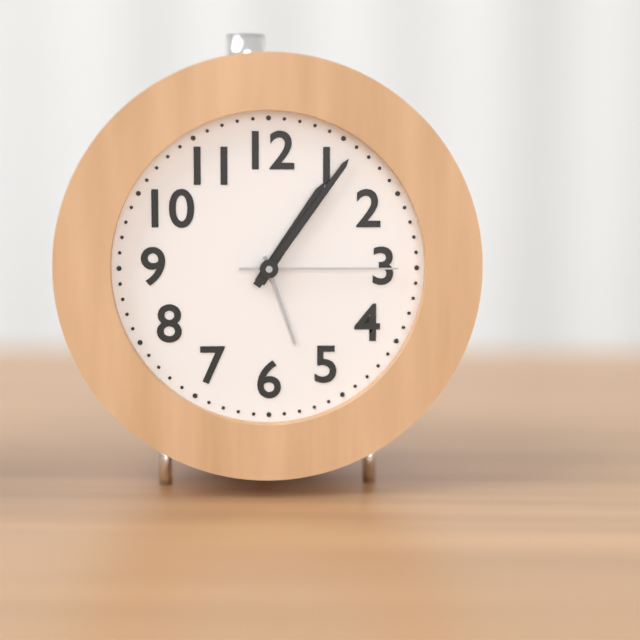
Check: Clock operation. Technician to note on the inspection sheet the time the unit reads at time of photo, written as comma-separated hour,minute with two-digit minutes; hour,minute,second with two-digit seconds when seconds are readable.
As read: 1,06,15
